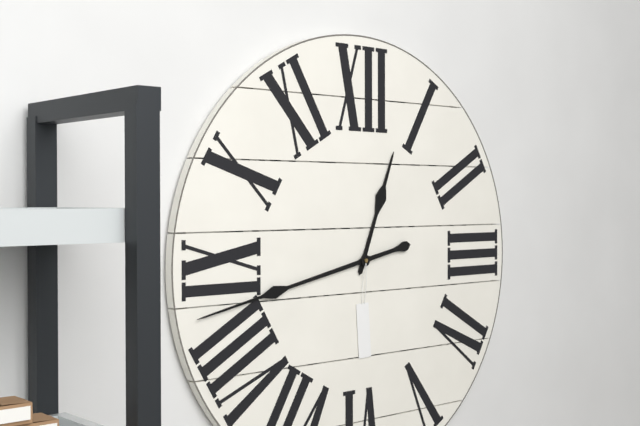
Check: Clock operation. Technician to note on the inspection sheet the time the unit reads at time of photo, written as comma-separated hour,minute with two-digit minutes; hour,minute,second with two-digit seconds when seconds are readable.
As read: 12,43
